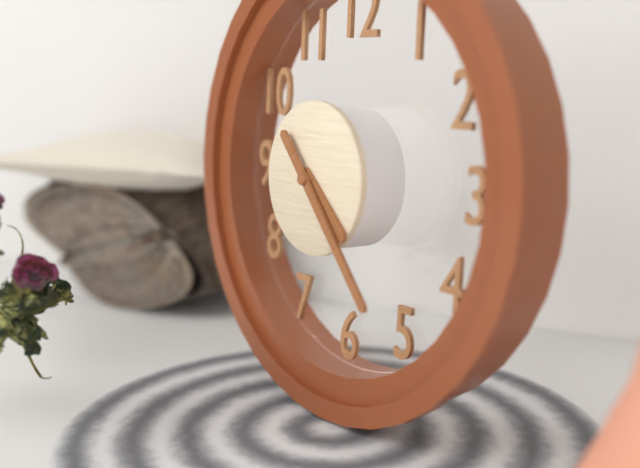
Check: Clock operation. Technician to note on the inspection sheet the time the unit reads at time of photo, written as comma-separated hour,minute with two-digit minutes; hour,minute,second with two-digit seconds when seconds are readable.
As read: 4,23
